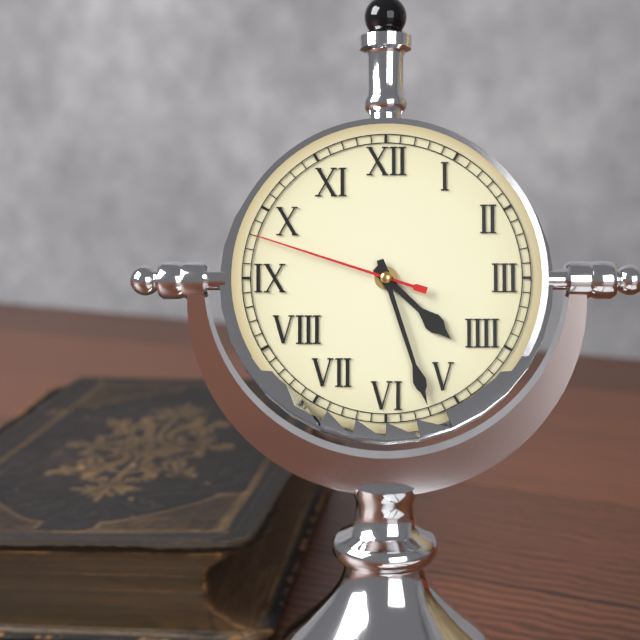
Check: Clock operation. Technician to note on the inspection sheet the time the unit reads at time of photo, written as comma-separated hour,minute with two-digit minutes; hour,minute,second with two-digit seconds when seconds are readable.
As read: 4,27,48
